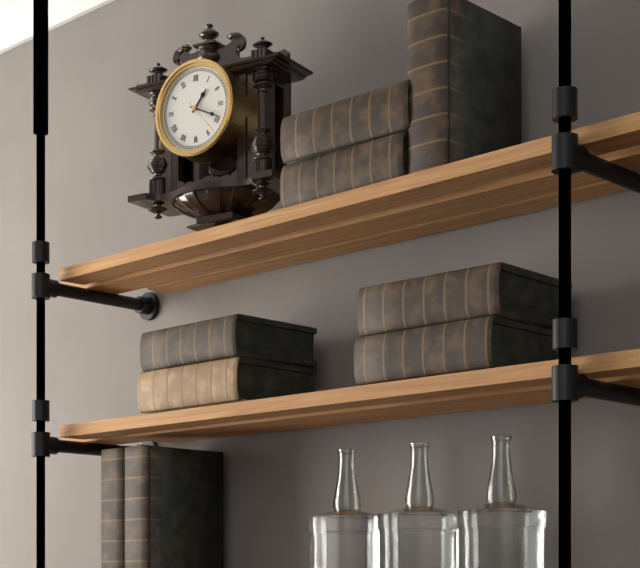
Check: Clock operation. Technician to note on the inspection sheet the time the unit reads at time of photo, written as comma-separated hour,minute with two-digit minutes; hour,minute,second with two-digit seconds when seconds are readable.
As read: 1,19
